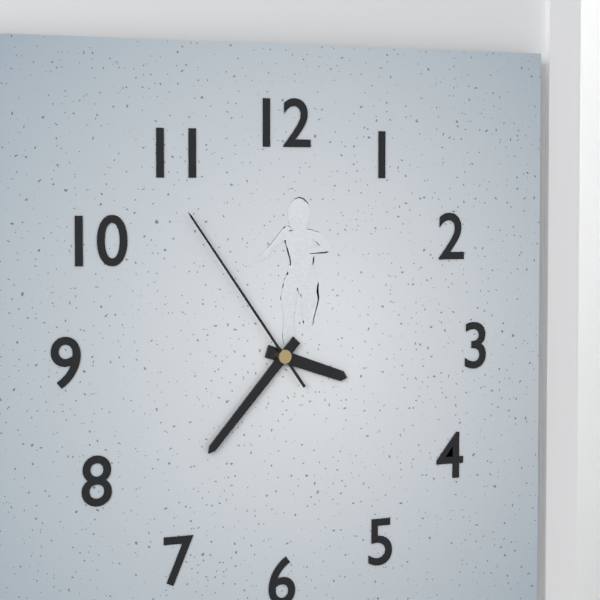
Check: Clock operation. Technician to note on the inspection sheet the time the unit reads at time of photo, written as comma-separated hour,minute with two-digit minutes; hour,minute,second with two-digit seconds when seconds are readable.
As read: 3,37,54
